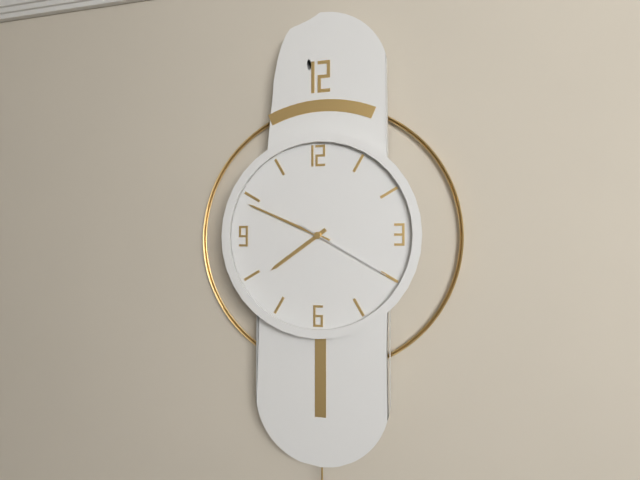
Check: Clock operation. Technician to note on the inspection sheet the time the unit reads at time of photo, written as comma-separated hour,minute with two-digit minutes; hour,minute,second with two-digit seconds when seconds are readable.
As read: 7,49,20
